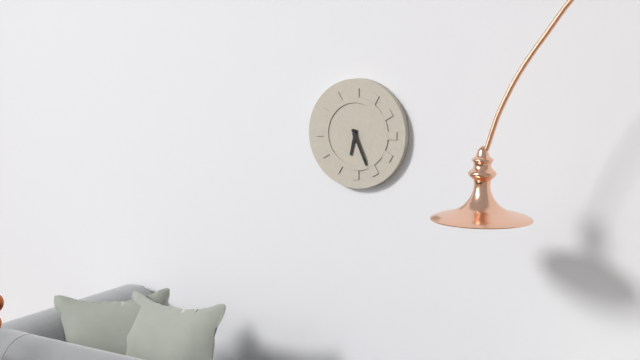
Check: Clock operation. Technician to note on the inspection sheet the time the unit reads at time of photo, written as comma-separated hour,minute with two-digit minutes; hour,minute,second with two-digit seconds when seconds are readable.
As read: 6,26
